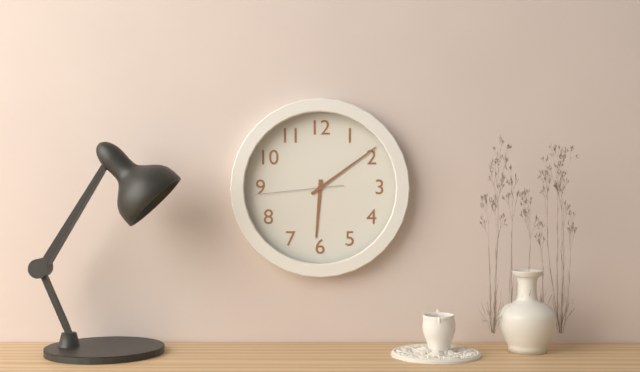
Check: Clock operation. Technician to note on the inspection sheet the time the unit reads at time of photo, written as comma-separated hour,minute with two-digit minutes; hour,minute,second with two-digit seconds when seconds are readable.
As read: 6,09,44
